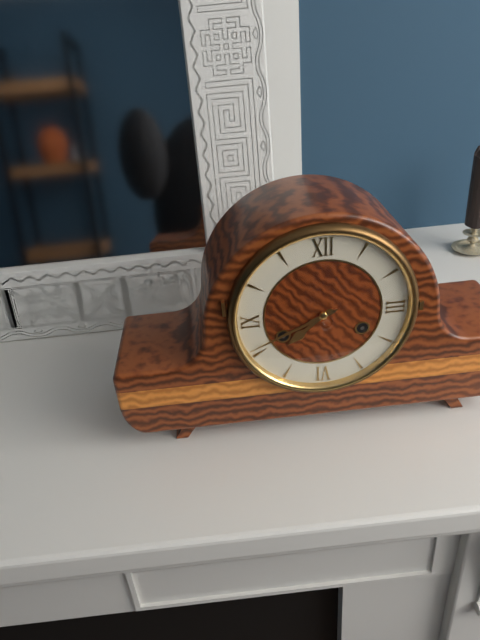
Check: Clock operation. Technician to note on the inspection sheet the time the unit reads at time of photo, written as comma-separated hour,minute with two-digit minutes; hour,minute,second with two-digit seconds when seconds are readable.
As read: 7,41
